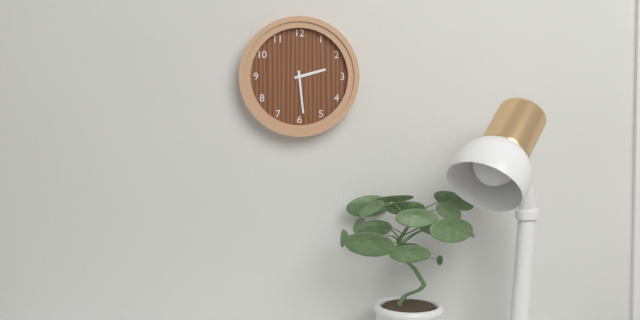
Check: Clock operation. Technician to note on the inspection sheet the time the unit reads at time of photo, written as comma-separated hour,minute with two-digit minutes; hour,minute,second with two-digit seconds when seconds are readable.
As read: 2,29
